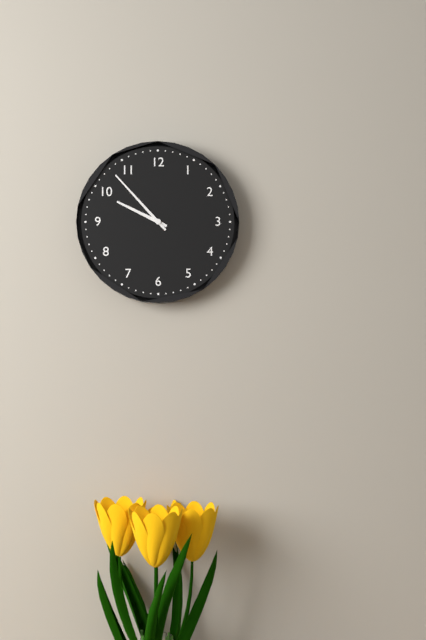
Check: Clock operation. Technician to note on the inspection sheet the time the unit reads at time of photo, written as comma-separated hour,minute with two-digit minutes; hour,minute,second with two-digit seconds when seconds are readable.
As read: 9,53
